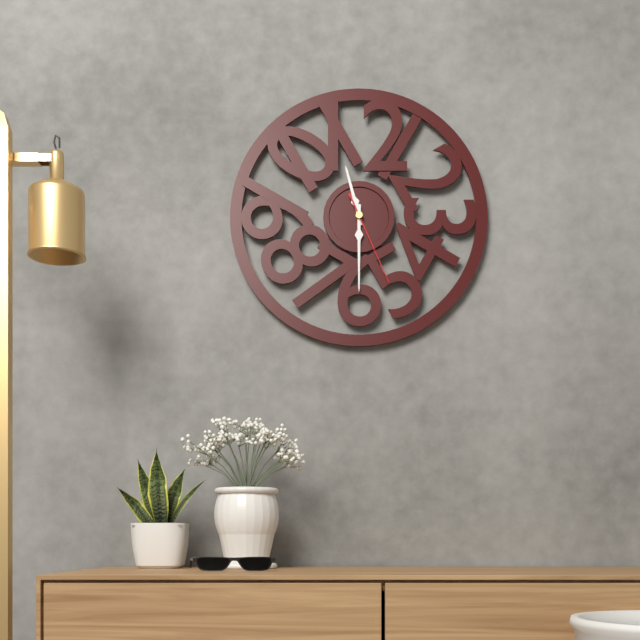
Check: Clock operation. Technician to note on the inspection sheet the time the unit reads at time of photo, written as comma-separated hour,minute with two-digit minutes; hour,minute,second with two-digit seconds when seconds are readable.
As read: 11,30,26
